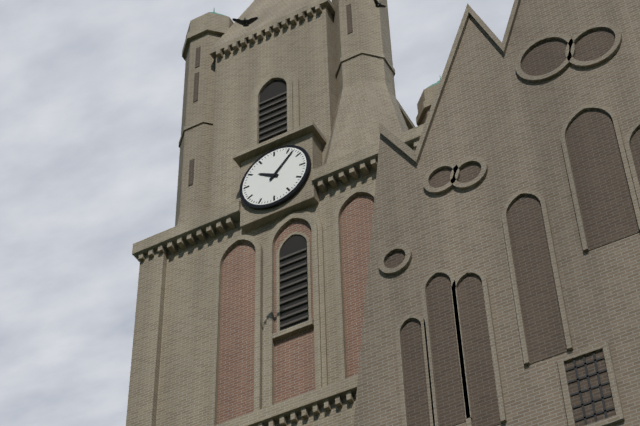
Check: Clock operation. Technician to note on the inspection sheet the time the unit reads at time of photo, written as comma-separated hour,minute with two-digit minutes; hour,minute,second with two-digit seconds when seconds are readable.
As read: 10,07
